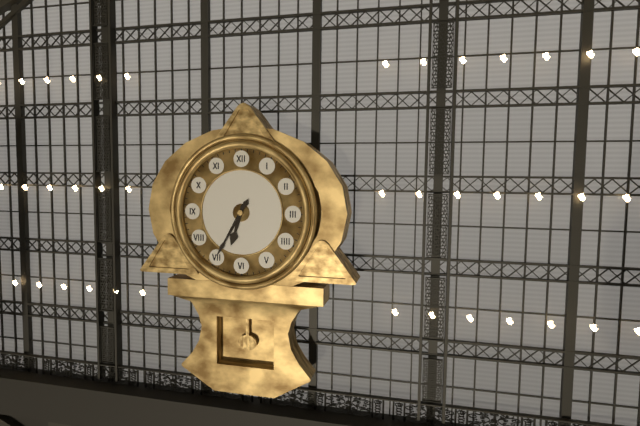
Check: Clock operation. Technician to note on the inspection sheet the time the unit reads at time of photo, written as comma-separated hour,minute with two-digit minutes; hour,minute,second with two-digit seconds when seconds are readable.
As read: 6,35
